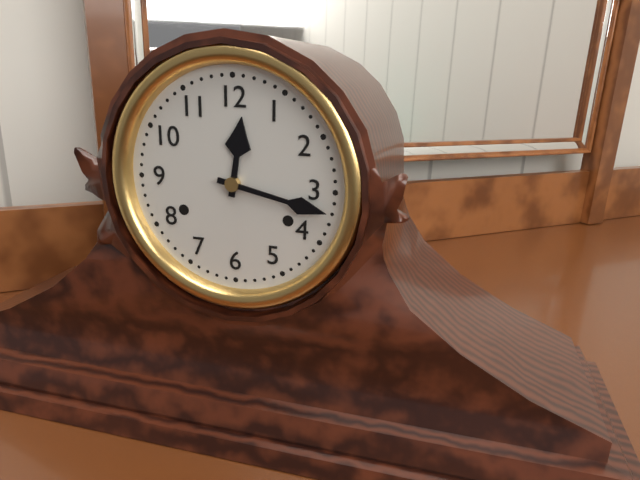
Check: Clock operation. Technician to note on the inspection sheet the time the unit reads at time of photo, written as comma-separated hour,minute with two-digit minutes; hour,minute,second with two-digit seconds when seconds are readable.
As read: 12,17
